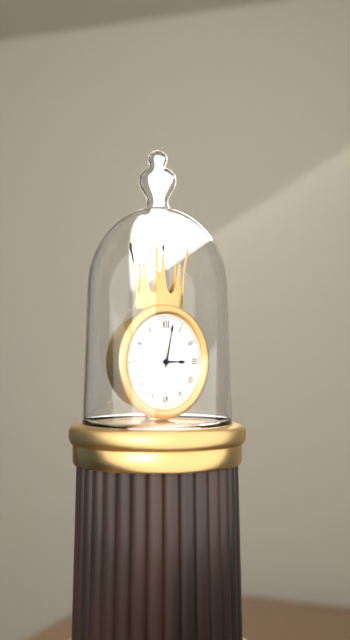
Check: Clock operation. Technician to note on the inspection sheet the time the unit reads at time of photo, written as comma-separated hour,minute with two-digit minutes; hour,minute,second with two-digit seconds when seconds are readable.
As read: 3,02
